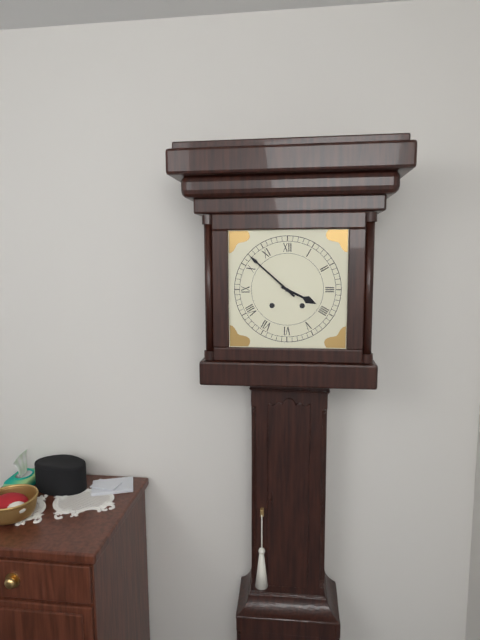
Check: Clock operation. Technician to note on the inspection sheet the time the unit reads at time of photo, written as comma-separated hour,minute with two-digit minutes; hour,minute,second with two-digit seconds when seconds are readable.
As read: 3,52
